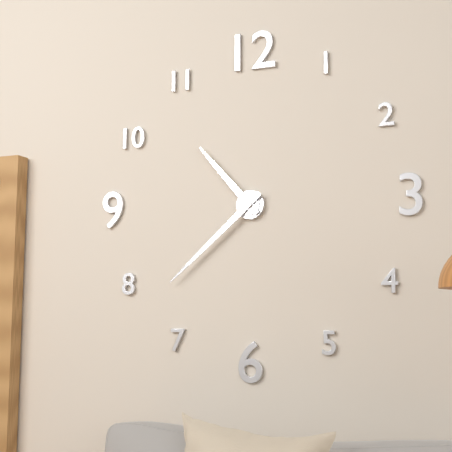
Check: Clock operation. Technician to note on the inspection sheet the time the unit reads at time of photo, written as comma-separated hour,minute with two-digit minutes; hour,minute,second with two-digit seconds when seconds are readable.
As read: 10,38
